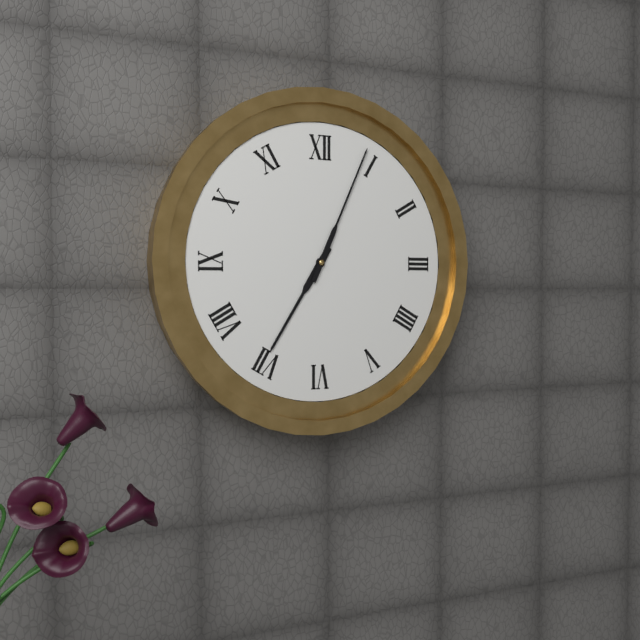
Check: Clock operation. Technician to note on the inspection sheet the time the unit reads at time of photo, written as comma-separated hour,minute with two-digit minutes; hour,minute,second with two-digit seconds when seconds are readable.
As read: 7,04
